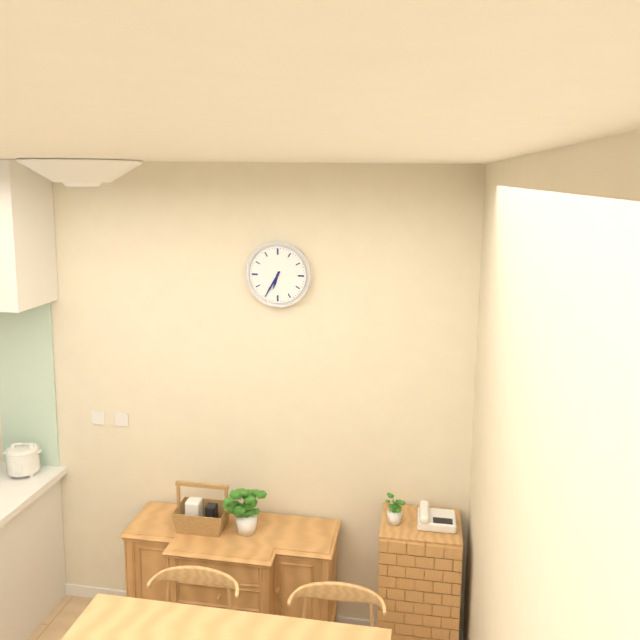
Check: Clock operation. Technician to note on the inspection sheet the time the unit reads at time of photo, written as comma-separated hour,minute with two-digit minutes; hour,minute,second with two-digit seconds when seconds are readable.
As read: 6,35
